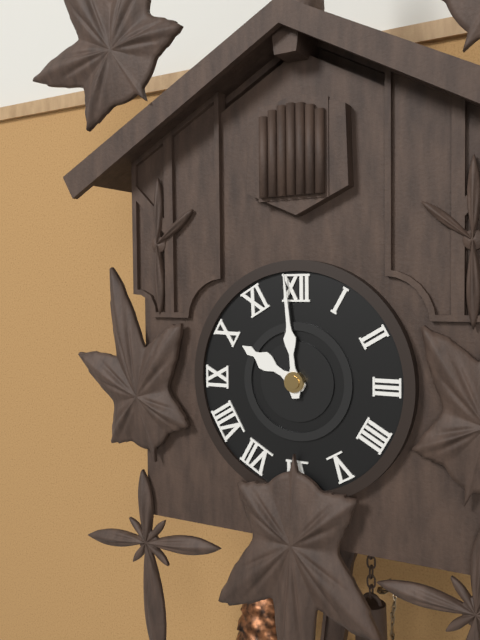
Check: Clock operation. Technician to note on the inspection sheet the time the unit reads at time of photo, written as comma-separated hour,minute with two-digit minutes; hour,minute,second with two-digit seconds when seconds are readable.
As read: 9,59
